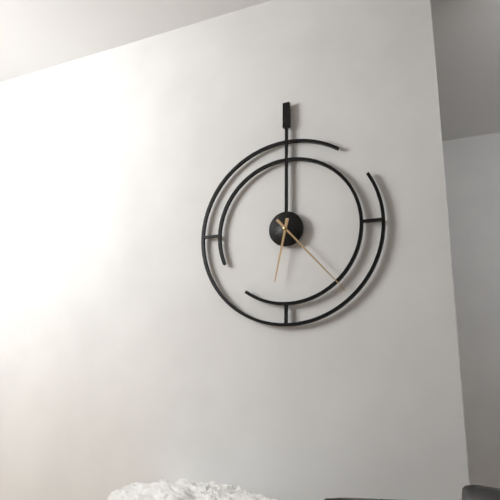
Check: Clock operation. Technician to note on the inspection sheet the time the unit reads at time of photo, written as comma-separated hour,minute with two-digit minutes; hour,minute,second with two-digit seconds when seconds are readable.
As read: 6,23
